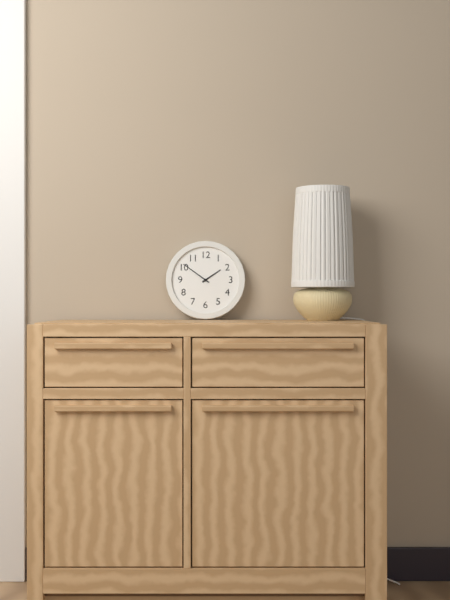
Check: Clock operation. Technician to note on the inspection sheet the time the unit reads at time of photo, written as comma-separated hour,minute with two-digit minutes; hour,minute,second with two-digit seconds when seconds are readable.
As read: 1,51
